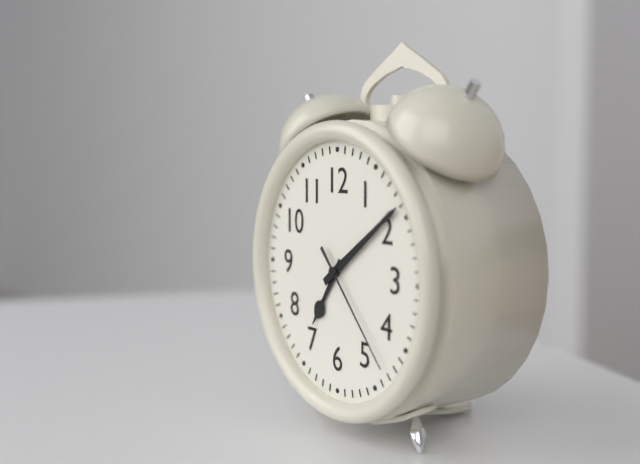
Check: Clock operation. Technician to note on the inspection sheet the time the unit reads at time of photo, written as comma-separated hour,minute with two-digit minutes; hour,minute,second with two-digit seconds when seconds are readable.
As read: 7,09,23
